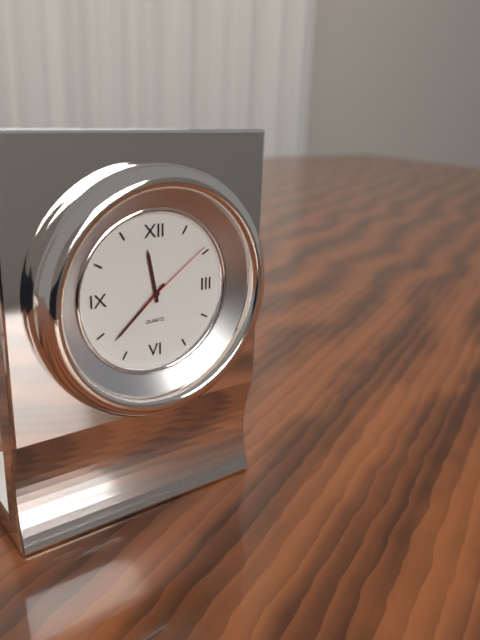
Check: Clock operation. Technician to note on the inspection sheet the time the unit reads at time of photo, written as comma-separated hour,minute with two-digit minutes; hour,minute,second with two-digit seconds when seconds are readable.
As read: 11,38,09
